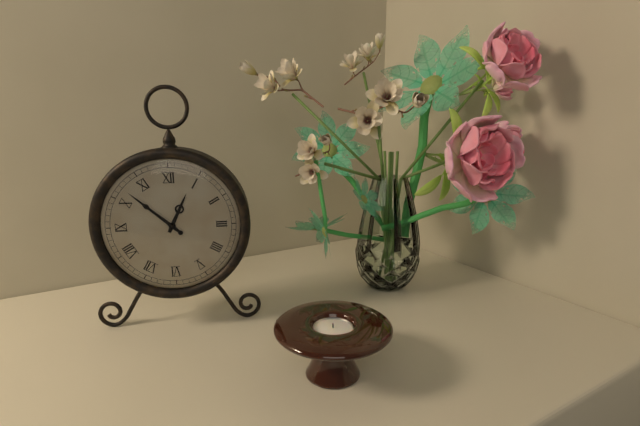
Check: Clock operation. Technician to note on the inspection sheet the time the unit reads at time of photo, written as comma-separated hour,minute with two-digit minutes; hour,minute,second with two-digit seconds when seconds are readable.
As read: 12,52
